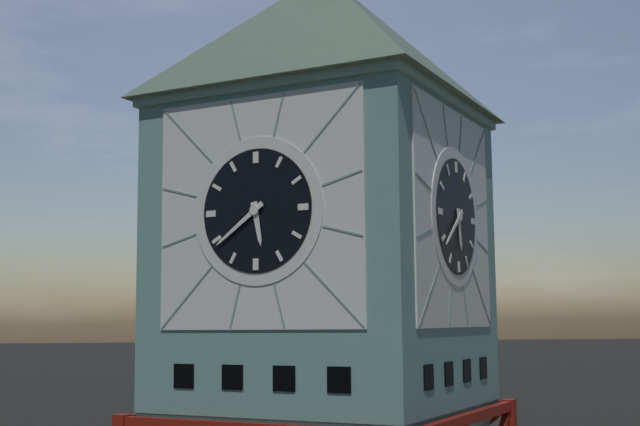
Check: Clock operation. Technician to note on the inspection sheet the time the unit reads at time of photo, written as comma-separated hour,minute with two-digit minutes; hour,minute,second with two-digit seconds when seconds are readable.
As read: 5,39
